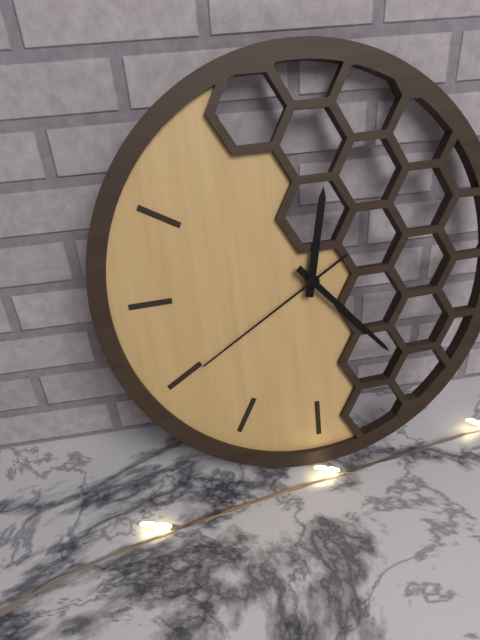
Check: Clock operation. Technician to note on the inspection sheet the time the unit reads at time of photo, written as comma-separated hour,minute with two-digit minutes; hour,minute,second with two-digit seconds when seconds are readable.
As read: 12,23,40
